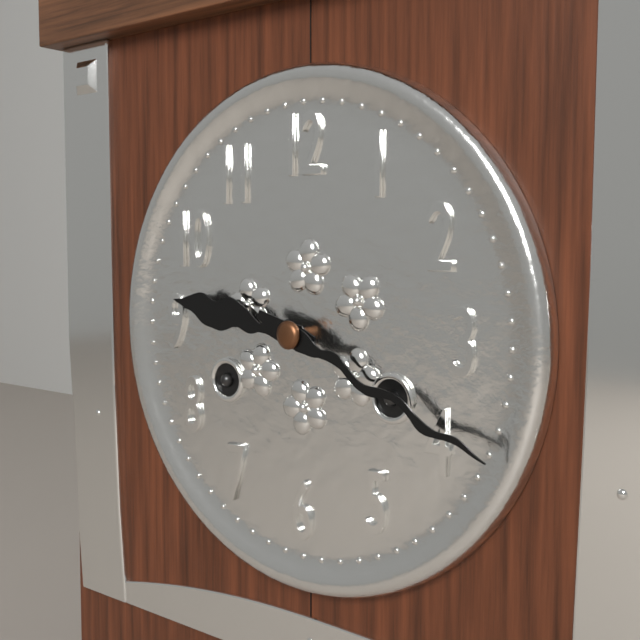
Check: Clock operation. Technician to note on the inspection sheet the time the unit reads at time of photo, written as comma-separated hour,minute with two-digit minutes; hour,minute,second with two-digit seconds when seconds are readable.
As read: 9,19
